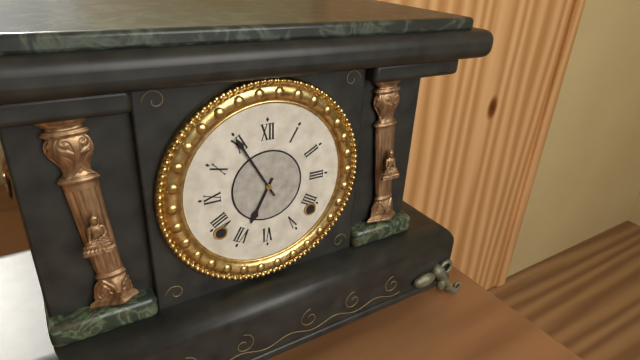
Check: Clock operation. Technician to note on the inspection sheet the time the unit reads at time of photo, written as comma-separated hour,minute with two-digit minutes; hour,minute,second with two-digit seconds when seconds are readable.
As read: 6,55
